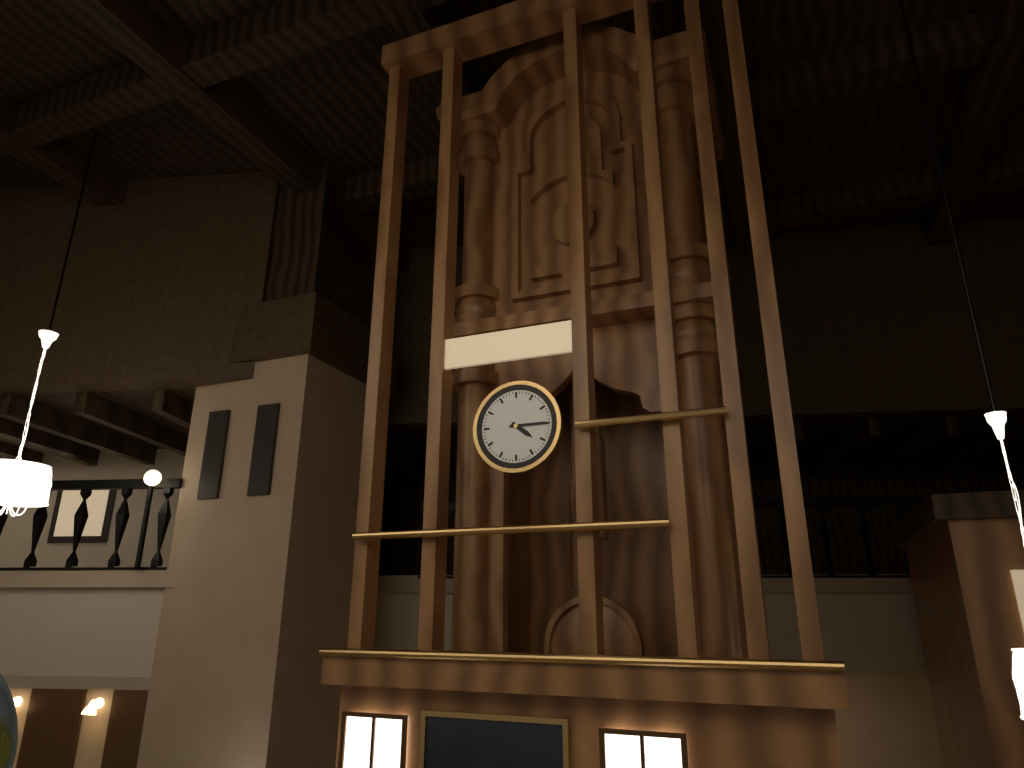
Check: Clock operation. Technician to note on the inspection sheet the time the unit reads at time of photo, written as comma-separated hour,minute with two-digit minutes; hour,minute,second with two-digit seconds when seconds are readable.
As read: 4,15
